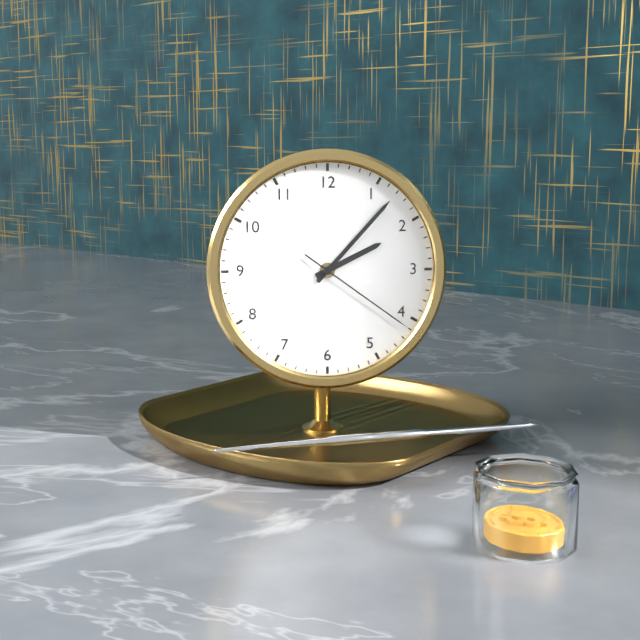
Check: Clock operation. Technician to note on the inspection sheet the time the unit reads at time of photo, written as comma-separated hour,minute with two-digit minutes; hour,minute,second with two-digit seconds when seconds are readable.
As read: 2,07,21
